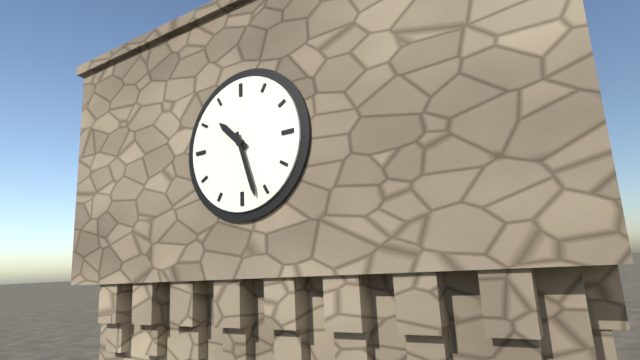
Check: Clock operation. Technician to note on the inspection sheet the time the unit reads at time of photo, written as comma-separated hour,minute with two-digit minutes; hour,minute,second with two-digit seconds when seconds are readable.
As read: 10,27
